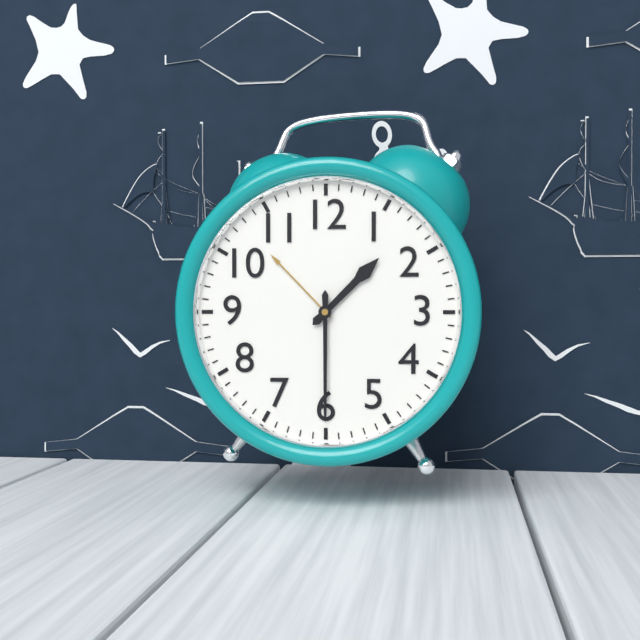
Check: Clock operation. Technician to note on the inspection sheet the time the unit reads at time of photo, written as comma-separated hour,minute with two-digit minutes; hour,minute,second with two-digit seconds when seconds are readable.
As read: 1,30
